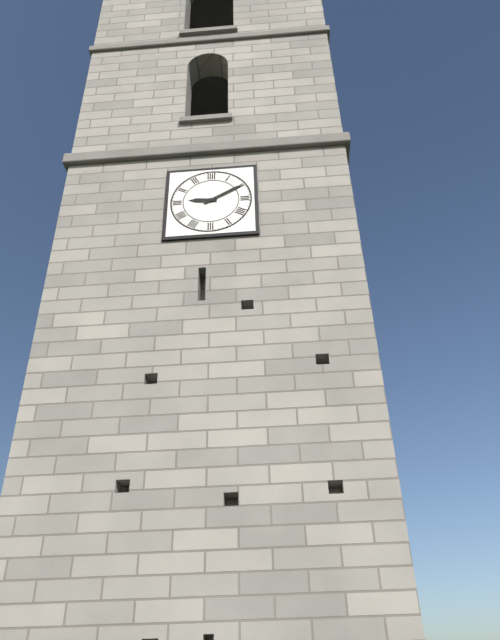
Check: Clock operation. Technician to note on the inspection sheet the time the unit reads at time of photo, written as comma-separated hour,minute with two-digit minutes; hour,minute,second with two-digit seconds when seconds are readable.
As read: 9,10
